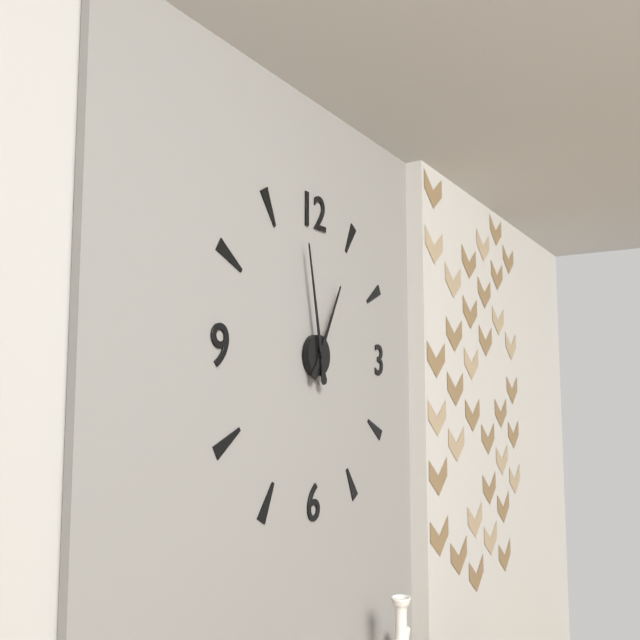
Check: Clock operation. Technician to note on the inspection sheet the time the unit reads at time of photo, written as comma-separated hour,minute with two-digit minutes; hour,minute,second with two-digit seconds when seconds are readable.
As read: 12,58
